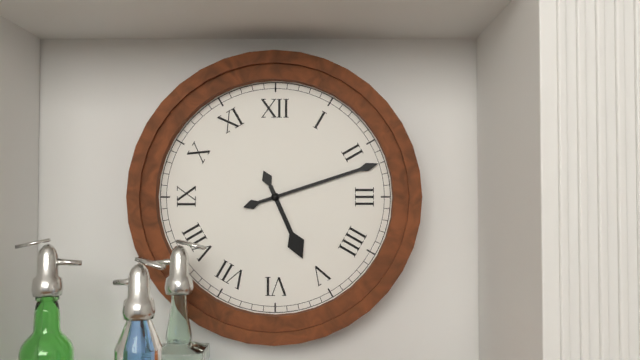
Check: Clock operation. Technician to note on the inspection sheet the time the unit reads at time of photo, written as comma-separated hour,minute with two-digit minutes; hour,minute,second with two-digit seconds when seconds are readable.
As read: 5,12
